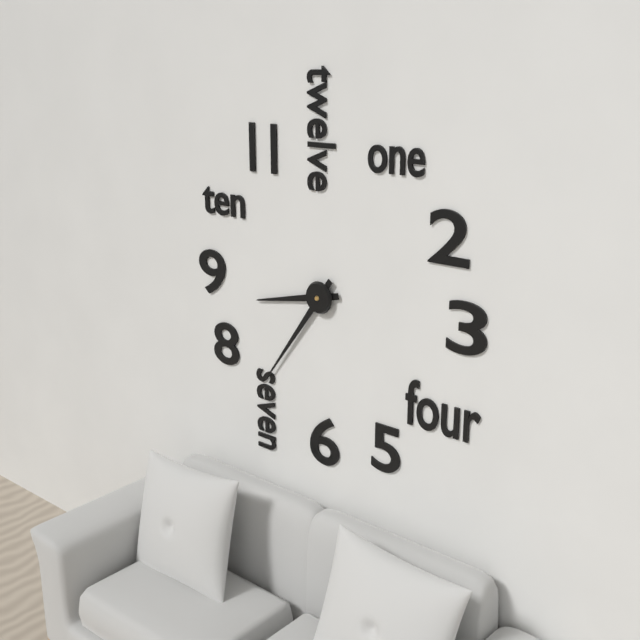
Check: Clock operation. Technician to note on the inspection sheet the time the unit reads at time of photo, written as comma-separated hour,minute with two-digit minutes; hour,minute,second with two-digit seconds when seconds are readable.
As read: 8,36
